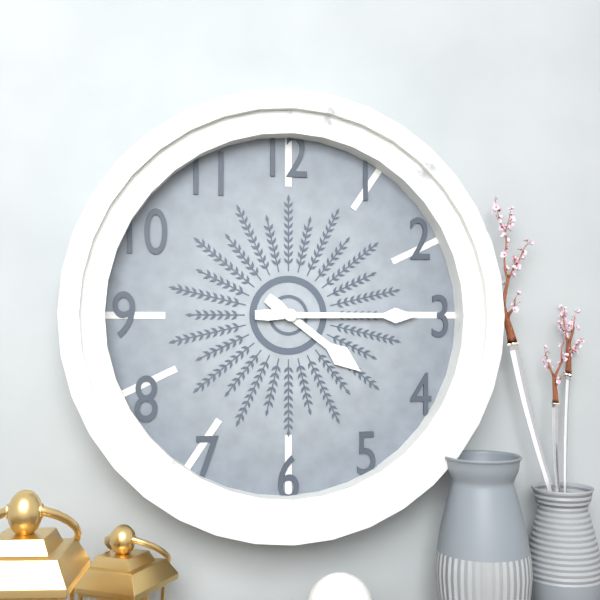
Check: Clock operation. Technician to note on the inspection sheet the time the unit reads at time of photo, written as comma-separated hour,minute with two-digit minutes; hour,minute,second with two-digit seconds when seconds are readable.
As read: 4,15
